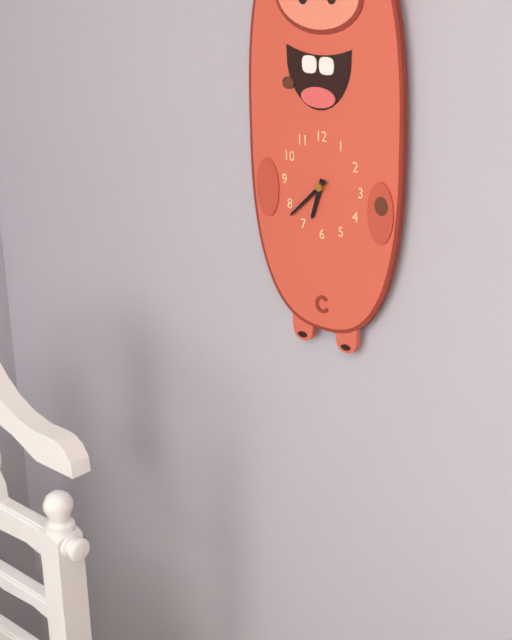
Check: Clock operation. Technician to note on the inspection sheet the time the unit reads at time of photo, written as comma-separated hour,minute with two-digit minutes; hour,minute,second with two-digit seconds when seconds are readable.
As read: 6,38
